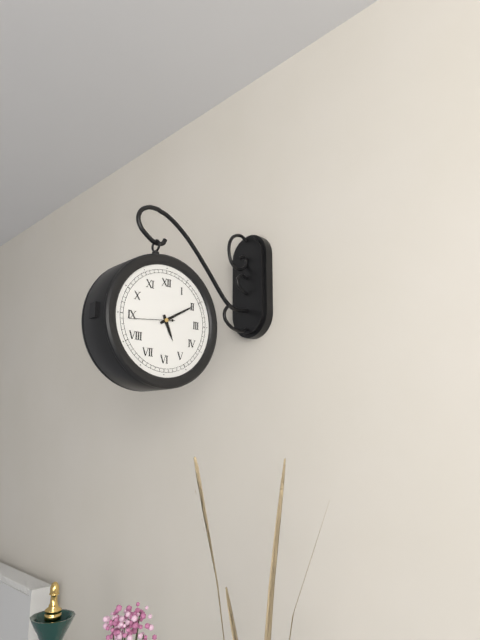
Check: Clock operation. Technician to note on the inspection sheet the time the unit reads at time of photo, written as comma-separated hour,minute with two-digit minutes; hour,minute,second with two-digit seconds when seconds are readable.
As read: 5,10
